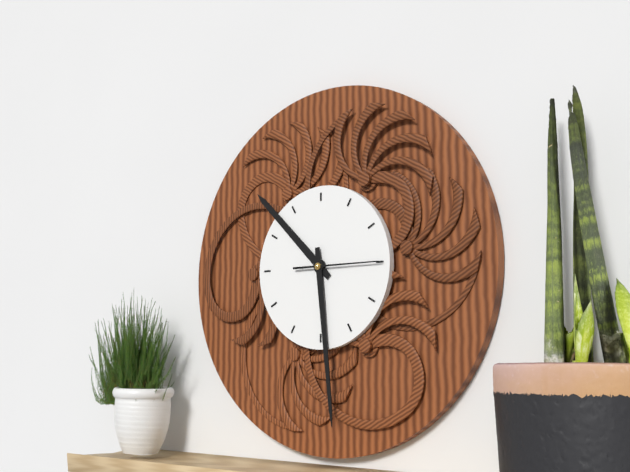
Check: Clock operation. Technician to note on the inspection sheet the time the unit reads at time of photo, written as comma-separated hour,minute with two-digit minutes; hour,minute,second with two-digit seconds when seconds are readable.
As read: 10,29,15
